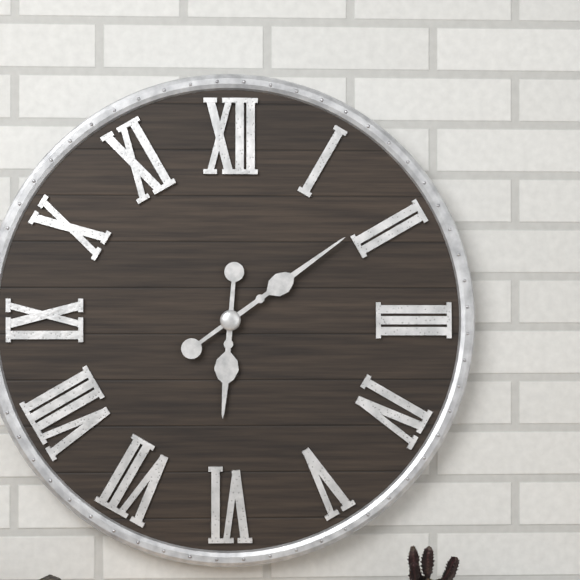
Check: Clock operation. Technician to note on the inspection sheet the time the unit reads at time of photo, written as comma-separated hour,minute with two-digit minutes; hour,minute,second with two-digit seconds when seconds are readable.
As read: 6,09
